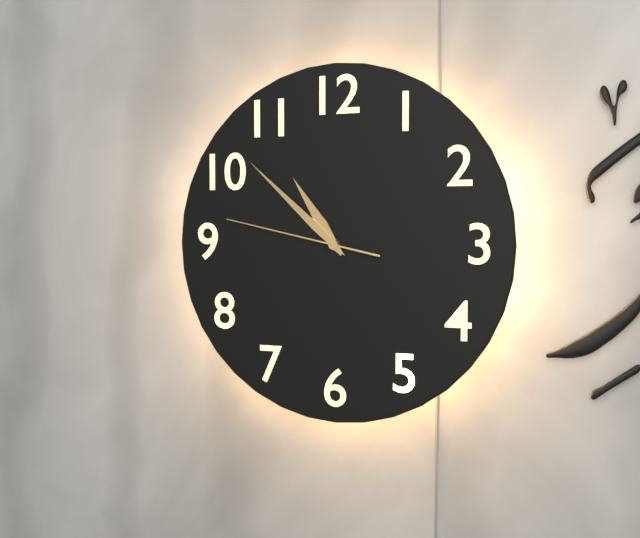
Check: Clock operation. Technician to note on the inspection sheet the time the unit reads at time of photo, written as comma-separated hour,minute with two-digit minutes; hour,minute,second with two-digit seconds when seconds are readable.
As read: 10,52,47
